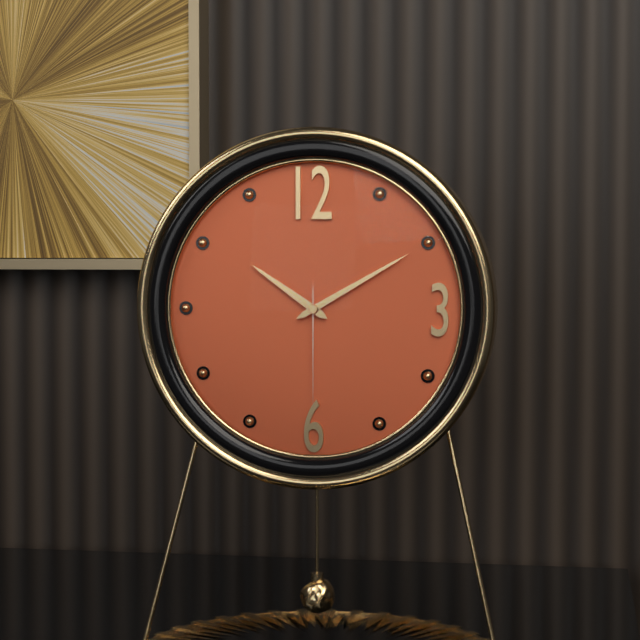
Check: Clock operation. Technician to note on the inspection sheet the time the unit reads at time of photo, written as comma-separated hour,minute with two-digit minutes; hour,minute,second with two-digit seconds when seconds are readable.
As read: 10,10,30
